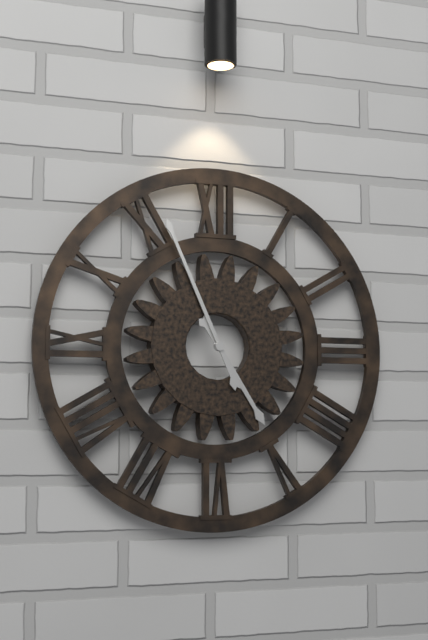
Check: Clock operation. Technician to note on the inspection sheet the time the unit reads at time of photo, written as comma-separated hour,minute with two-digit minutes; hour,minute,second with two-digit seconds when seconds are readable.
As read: 4,56
